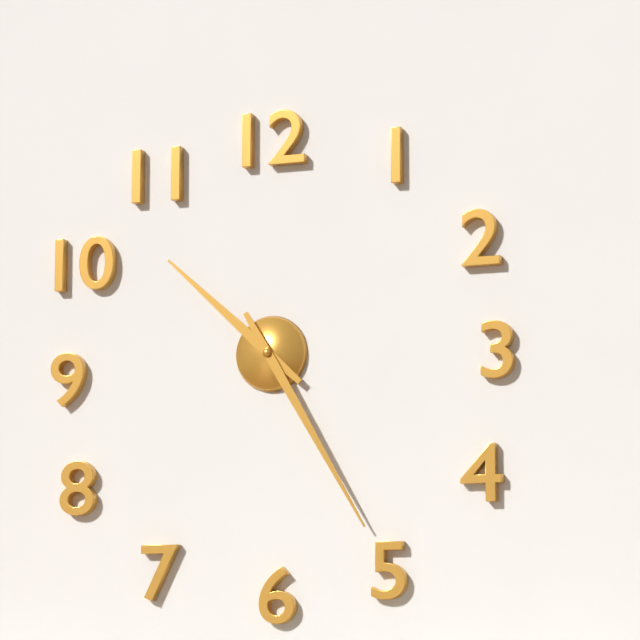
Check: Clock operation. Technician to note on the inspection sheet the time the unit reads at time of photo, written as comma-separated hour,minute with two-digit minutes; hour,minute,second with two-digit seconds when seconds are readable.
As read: 10,25
